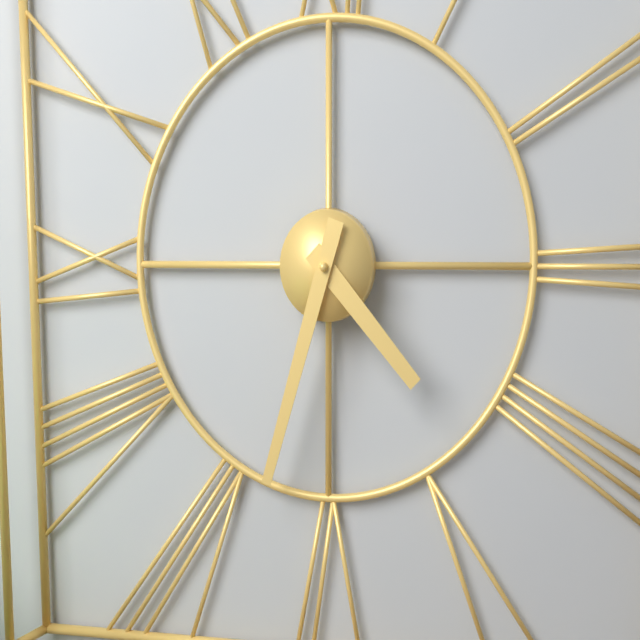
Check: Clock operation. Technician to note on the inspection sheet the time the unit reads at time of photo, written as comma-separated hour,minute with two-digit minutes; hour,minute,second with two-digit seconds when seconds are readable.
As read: 4,33
